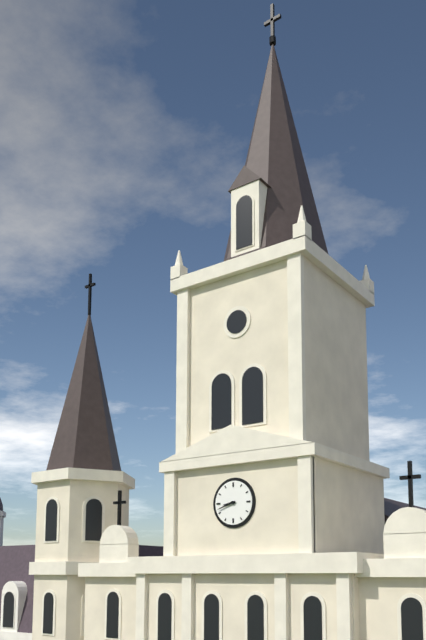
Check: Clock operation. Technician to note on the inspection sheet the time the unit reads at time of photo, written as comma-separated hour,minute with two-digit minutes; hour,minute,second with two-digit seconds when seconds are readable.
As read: 8,42
